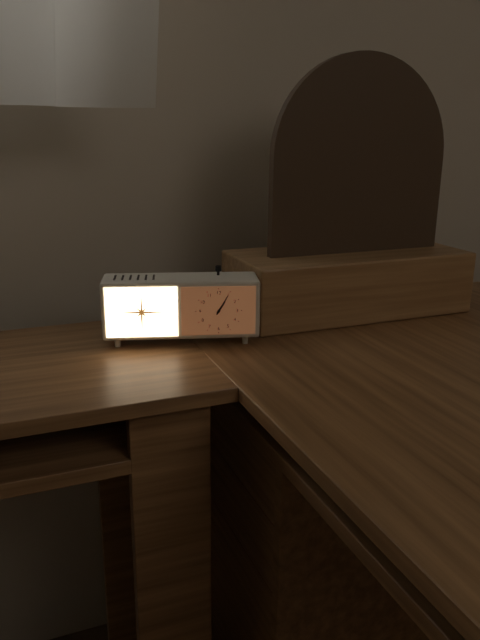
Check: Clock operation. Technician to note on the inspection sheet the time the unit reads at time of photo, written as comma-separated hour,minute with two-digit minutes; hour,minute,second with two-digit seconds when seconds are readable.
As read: 1,05
